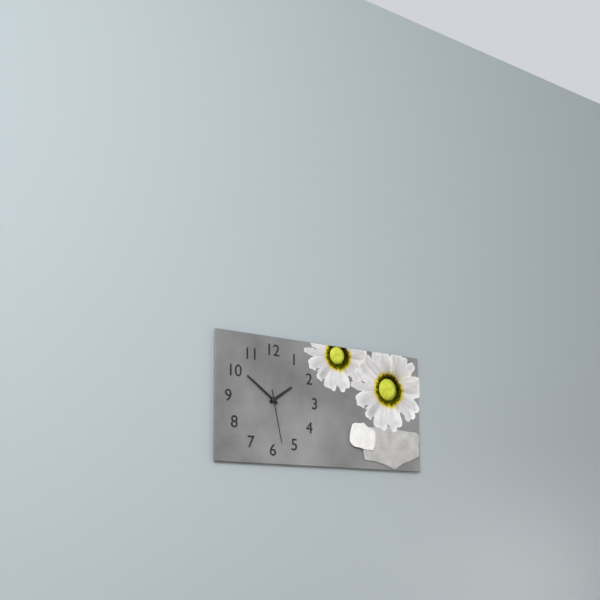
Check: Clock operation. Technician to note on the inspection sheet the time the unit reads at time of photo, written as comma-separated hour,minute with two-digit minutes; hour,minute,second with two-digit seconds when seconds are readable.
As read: 1,51,28
